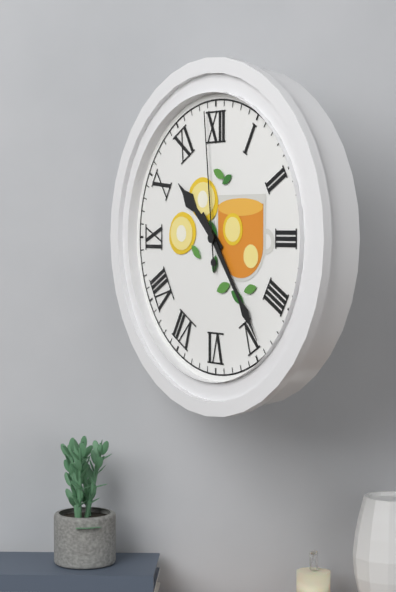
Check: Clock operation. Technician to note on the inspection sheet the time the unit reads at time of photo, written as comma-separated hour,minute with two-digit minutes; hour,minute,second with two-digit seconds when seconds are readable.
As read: 10,24,59
